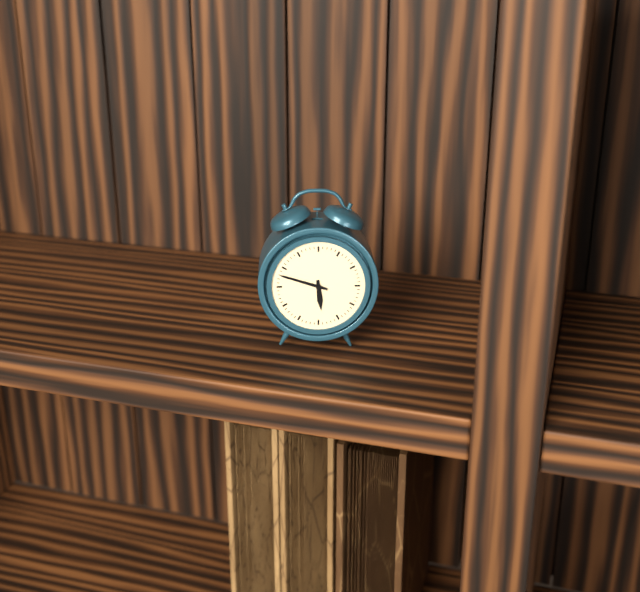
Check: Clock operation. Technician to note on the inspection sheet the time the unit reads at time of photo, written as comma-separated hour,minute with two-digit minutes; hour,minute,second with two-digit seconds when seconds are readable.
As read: 5,48
